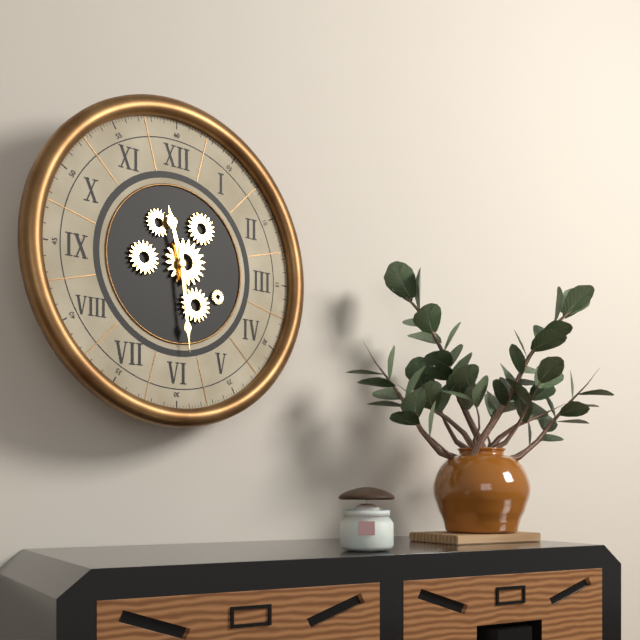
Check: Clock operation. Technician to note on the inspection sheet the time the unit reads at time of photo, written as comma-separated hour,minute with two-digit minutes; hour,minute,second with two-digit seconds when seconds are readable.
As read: 11,29
